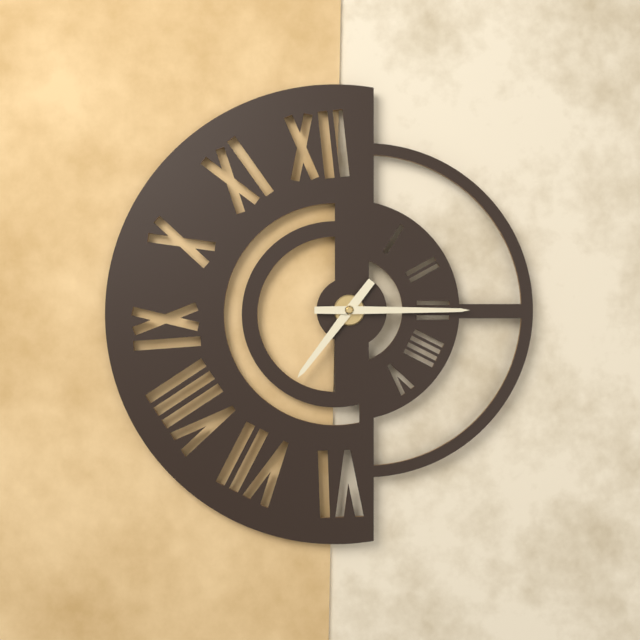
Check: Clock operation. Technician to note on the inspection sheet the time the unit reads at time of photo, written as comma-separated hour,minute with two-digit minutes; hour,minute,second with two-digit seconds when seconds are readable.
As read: 7,15
